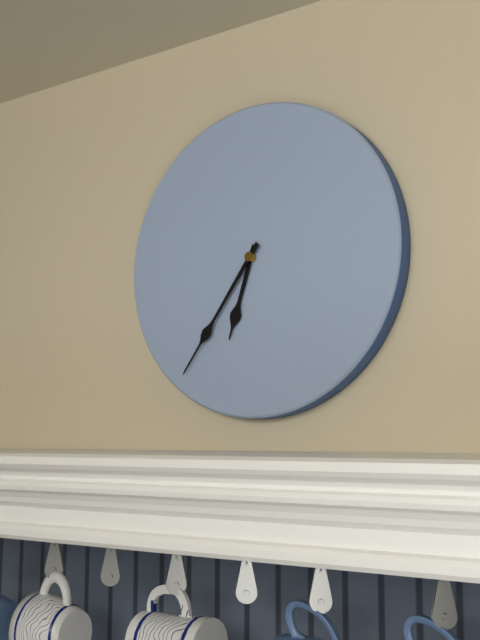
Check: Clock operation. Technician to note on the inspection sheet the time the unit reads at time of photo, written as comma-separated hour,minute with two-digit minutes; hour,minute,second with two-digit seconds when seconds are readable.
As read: 6,36
